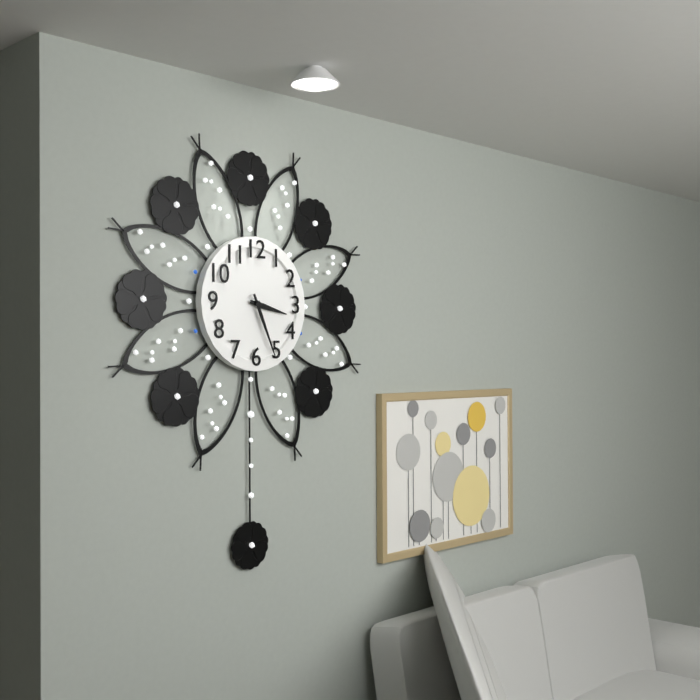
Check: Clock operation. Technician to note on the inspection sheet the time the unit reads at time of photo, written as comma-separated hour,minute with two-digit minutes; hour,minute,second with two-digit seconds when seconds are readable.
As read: 3,26
